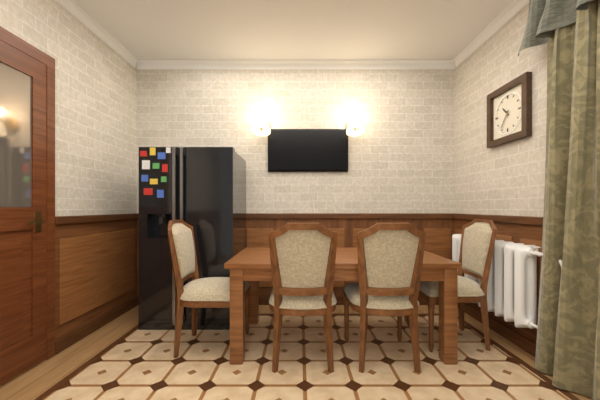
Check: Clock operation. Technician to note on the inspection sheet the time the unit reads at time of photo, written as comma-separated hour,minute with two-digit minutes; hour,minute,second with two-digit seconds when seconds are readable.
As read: 10,36
